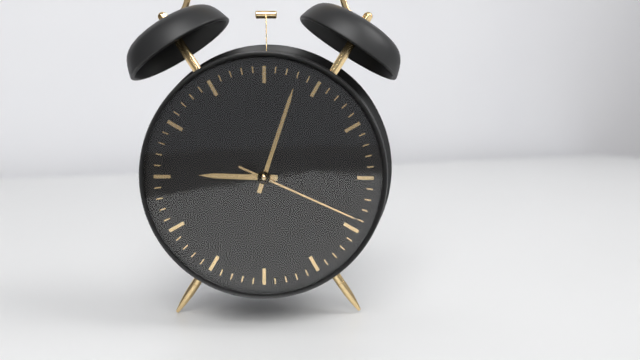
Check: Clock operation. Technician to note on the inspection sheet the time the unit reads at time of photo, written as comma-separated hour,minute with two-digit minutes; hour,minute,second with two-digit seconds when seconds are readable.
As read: 9,03,19
